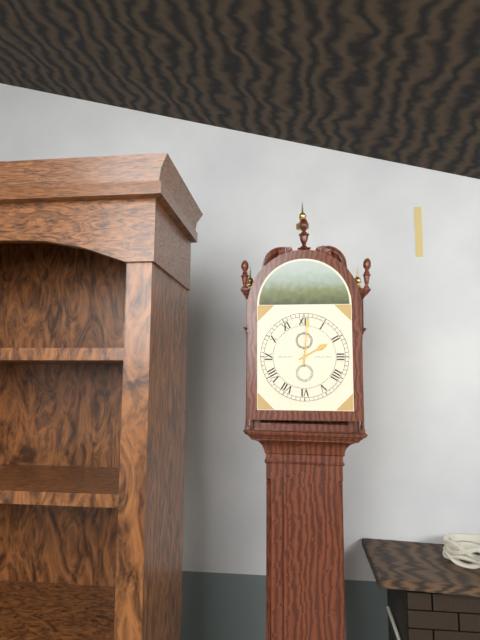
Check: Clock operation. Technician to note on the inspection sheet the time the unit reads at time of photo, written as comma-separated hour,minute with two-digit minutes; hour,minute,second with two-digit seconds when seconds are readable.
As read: 2,01
